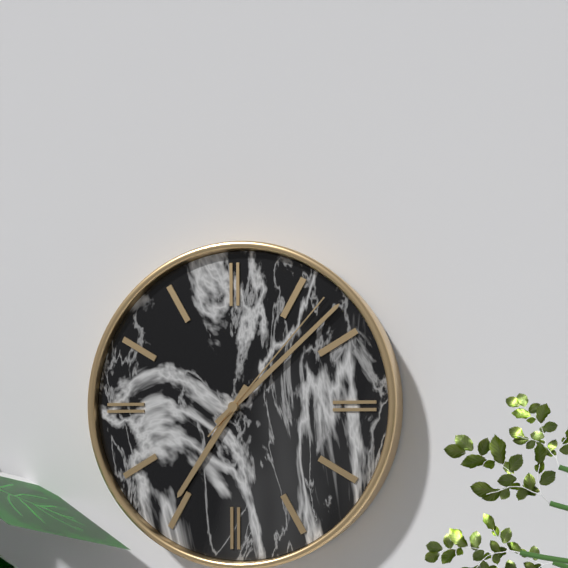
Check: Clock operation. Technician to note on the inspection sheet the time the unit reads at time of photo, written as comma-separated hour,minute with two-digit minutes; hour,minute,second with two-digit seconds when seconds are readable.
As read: 7,08,07
